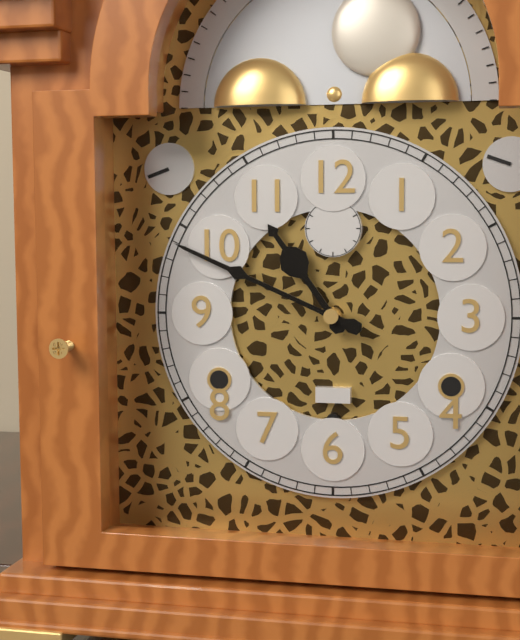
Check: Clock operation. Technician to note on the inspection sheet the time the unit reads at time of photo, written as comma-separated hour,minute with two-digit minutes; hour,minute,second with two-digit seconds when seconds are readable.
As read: 10,49
